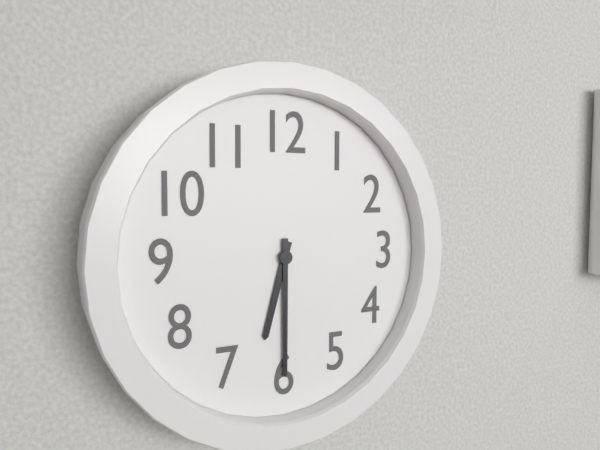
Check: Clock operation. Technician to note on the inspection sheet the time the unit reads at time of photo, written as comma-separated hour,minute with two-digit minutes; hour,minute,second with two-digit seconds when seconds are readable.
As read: 6,30
